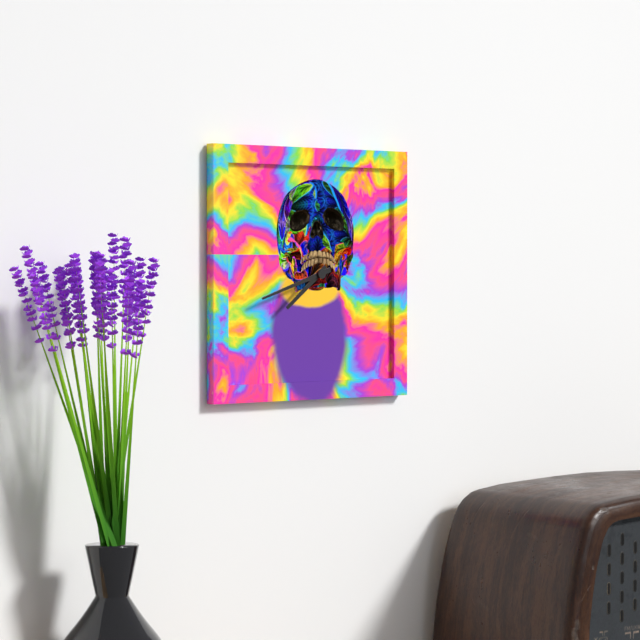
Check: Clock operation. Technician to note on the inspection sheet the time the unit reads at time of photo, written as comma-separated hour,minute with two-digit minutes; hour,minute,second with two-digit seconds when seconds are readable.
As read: 7,42
